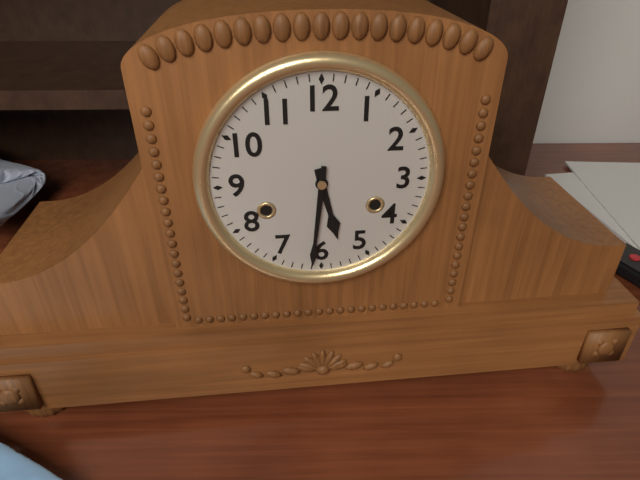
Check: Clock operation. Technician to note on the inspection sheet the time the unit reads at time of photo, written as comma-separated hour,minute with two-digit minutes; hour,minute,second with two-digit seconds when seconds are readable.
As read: 5,31
